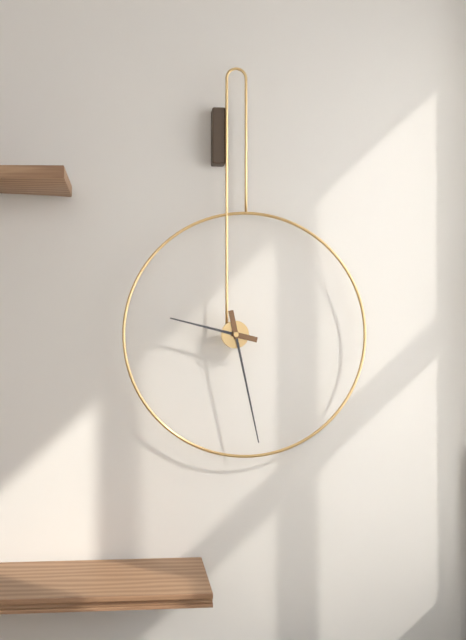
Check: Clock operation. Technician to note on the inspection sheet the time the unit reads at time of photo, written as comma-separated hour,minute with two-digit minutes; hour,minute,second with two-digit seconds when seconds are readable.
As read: 9,28
